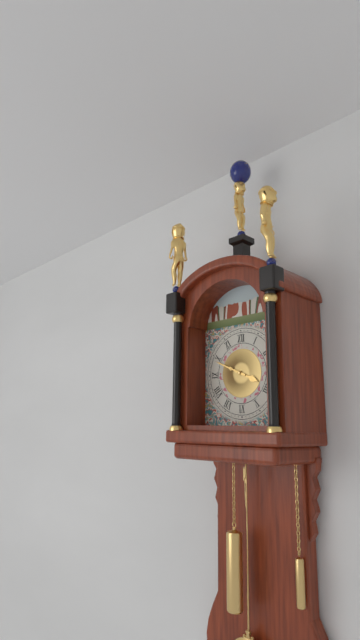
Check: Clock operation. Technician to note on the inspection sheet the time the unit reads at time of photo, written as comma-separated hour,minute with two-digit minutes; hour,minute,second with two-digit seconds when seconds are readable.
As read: 3,49
